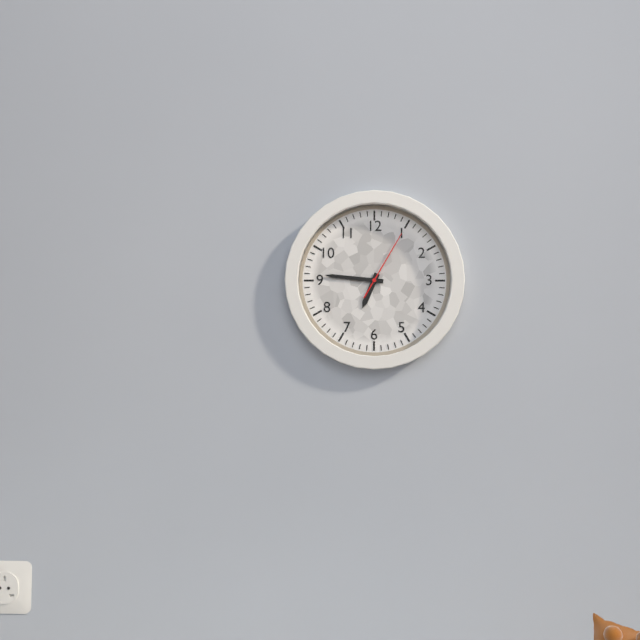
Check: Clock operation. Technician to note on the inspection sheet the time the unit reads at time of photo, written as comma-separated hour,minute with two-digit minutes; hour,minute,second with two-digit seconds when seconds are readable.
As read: 6,46,05
